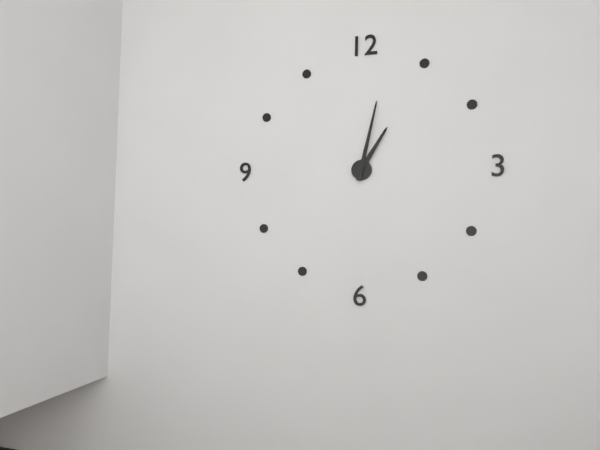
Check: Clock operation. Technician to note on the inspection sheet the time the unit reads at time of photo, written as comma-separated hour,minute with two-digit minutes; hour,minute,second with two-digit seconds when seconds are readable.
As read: 1,02
